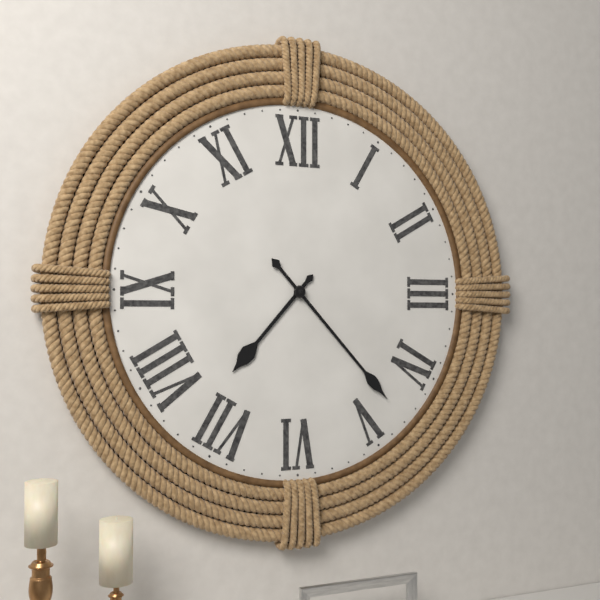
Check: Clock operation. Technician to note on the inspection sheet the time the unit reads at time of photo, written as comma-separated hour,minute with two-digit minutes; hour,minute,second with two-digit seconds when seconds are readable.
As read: 7,23
